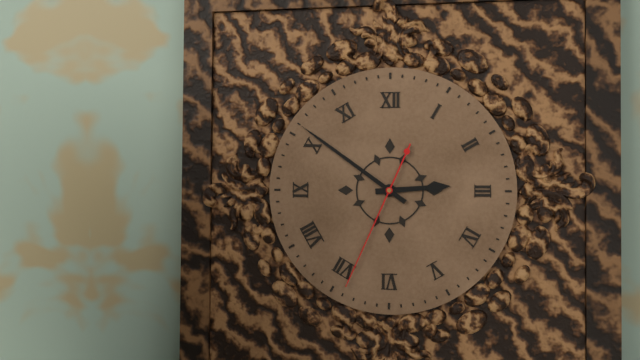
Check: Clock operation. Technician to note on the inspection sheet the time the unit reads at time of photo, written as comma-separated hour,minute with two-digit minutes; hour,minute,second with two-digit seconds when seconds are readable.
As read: 2,51,34
